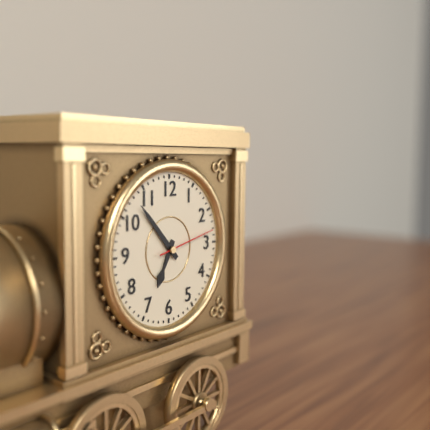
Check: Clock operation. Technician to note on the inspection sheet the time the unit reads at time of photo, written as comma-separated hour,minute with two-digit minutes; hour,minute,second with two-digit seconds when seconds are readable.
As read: 6,53,13
